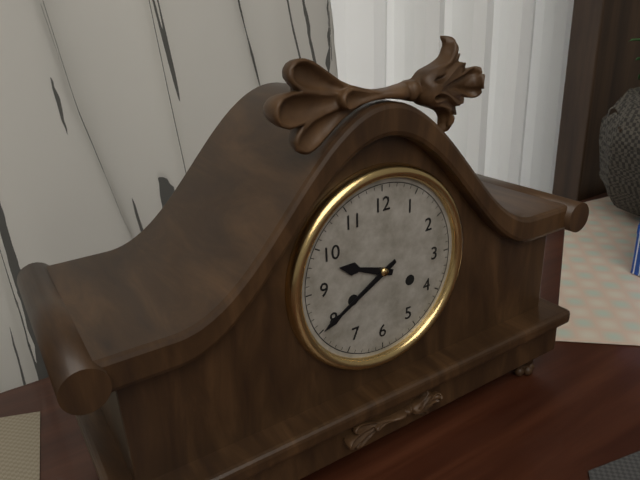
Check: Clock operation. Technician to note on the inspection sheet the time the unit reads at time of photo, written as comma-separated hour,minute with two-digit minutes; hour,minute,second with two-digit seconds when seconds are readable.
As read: 9,40
